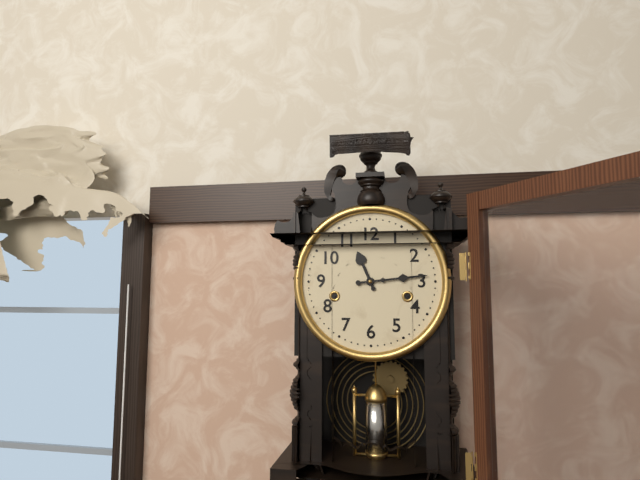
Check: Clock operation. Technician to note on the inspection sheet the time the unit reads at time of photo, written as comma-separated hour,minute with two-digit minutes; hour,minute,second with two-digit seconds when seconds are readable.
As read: 11,14
